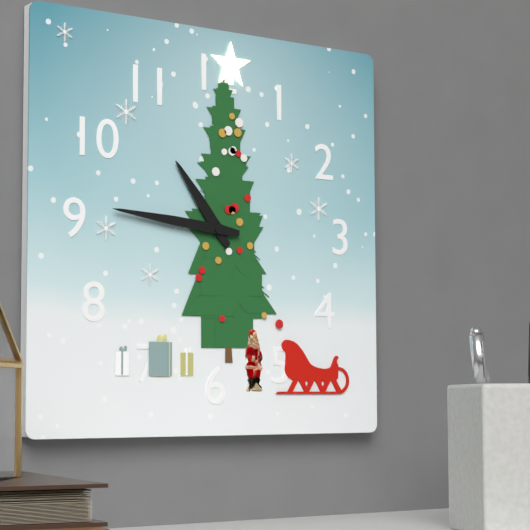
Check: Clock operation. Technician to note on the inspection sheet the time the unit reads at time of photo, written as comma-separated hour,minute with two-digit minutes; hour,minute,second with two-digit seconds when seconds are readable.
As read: 10,46
